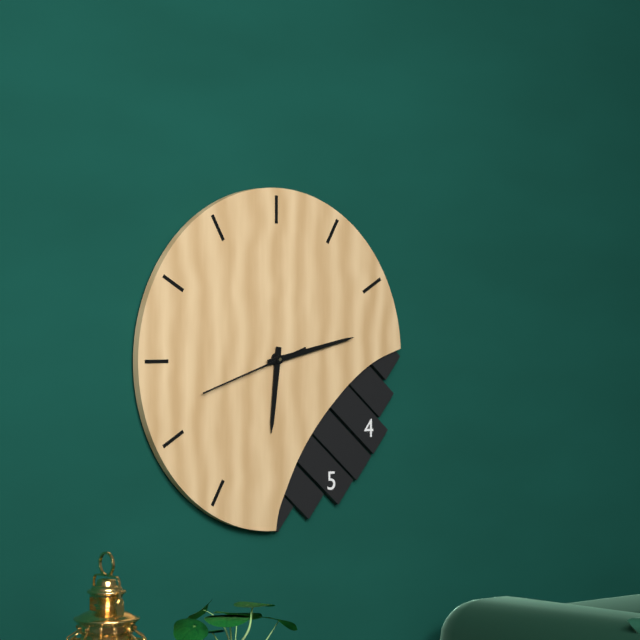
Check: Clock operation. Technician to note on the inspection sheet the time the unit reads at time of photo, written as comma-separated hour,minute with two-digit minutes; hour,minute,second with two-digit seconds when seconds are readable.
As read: 6,13,42
